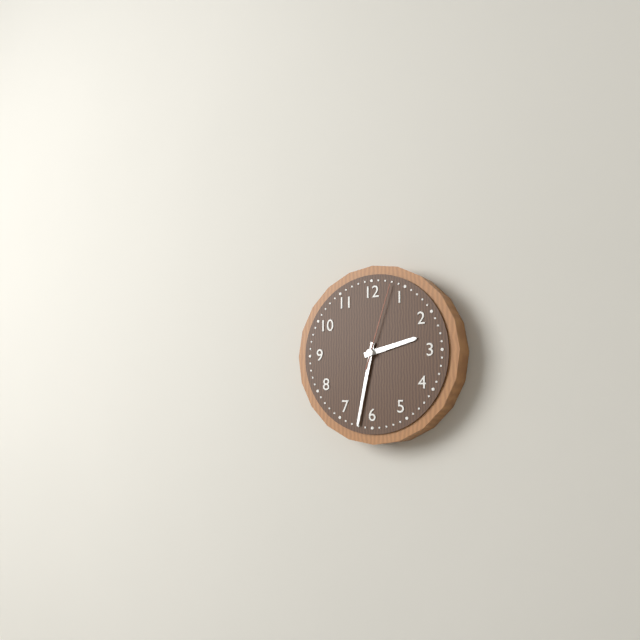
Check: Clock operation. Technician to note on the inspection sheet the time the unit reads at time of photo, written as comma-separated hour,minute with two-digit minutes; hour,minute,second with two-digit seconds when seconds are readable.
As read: 2,32,03
